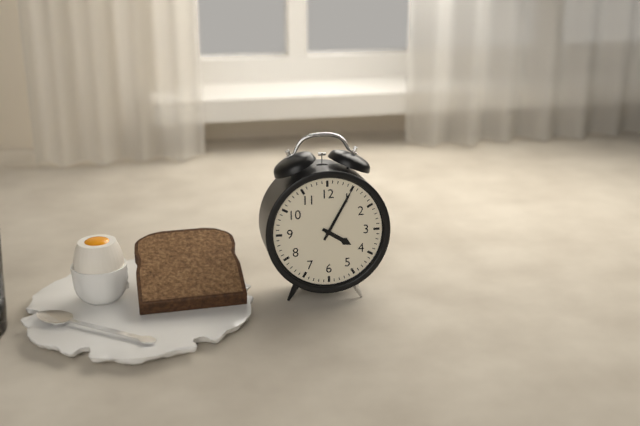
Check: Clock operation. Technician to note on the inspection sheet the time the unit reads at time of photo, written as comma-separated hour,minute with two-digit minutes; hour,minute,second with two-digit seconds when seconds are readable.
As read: 4,05
